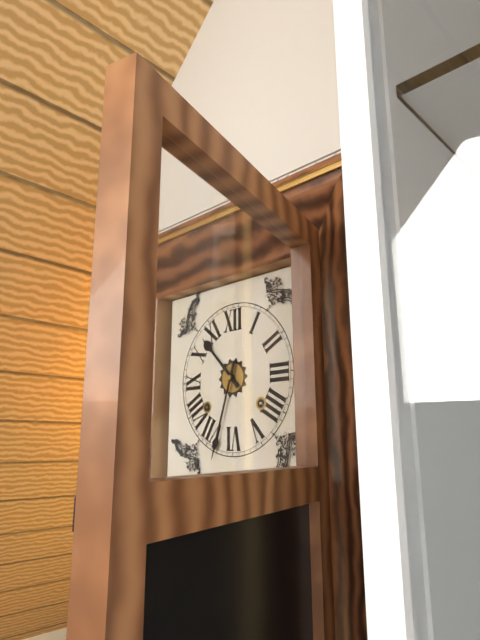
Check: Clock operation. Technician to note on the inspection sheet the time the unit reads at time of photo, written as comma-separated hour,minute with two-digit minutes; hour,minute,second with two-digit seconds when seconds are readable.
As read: 10,33
